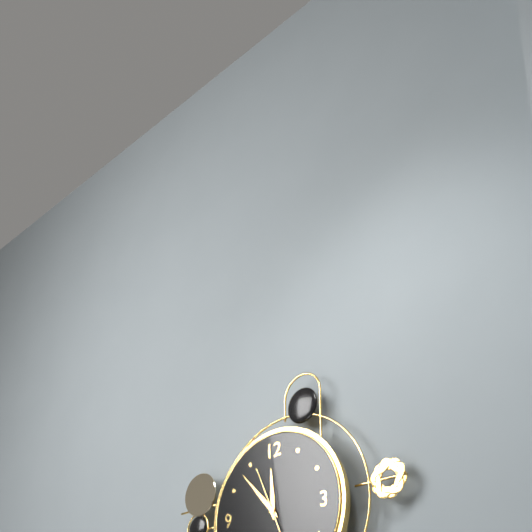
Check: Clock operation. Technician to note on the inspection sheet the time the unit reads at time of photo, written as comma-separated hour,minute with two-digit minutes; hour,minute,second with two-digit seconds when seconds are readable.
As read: 11,53,56
